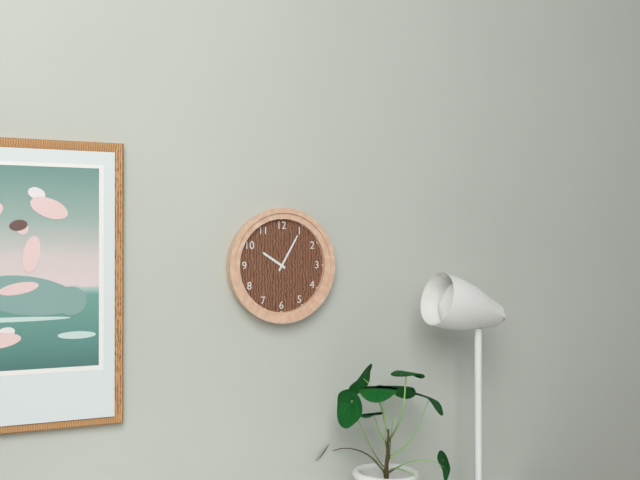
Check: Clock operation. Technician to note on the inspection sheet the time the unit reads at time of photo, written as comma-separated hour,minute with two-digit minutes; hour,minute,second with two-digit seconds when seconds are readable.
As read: 10,05
